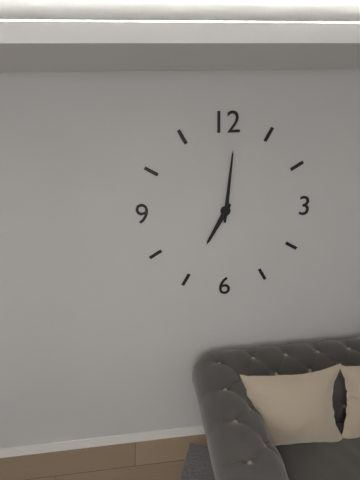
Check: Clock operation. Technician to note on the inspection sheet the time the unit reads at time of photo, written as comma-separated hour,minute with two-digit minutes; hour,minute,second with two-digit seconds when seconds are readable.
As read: 7,01
